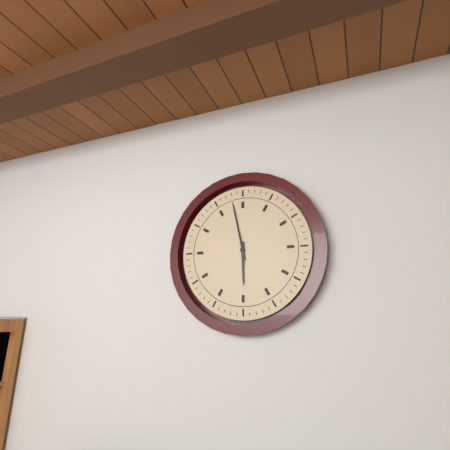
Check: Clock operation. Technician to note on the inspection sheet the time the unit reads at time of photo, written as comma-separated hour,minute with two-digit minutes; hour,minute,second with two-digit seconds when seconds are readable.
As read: 5,58
